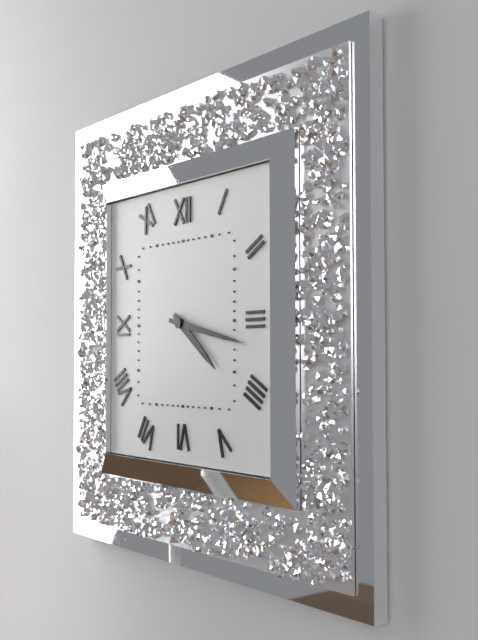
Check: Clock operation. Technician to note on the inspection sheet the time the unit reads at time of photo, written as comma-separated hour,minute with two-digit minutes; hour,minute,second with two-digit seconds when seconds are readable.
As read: 4,17
